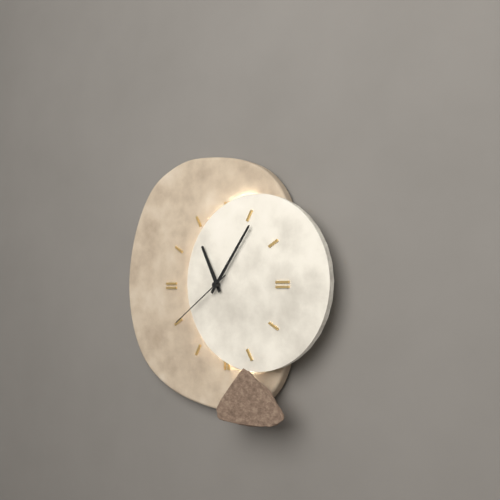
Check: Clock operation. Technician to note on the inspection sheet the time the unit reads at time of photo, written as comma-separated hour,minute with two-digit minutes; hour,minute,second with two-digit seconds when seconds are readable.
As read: 11,06,39
